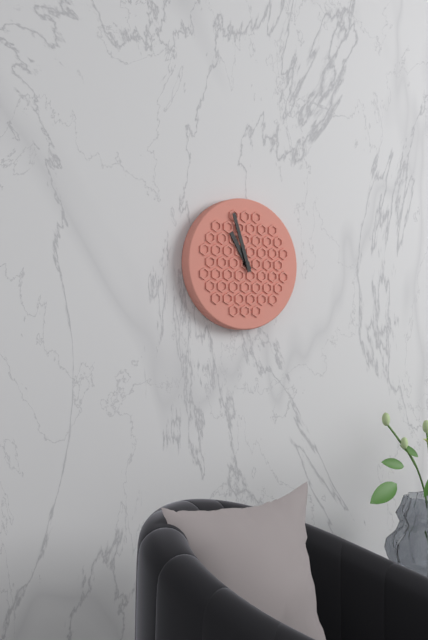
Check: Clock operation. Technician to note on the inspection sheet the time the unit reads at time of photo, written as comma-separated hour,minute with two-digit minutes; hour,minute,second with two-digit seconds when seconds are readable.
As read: 10,57
